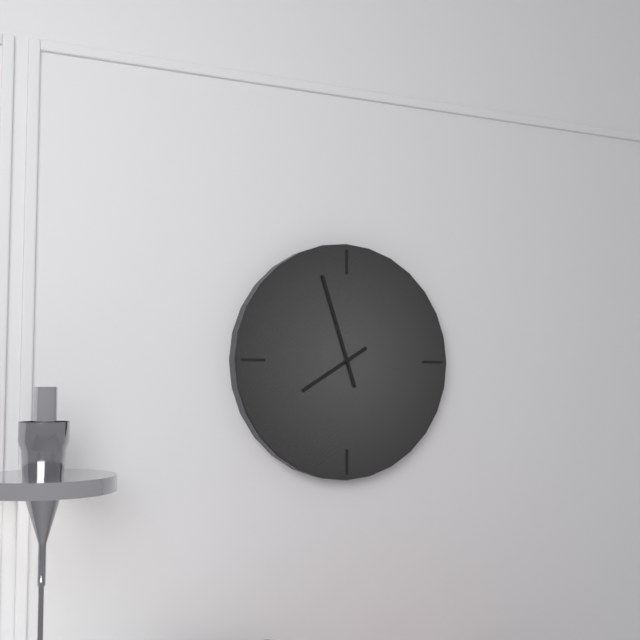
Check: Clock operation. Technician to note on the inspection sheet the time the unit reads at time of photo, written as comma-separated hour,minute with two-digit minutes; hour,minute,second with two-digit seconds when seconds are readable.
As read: 7,57
